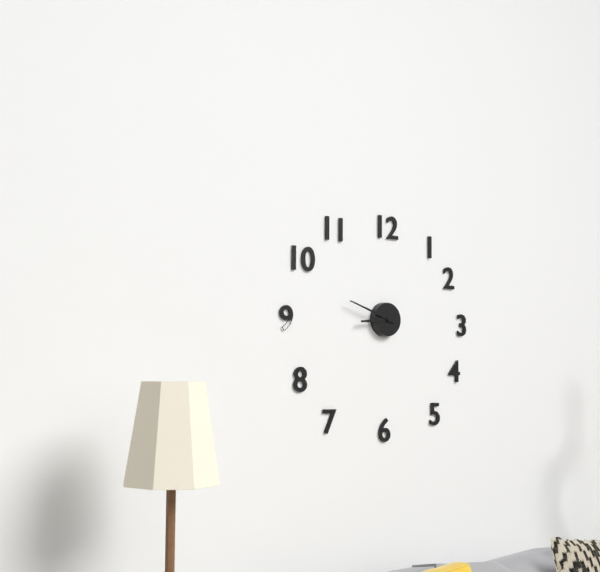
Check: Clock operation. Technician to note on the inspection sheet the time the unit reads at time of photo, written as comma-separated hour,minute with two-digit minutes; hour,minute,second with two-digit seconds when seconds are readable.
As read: 8,48
